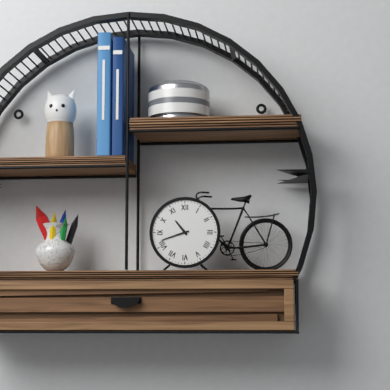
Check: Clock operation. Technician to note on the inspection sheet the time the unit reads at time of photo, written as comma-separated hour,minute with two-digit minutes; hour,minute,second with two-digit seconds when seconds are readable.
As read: 10,42
